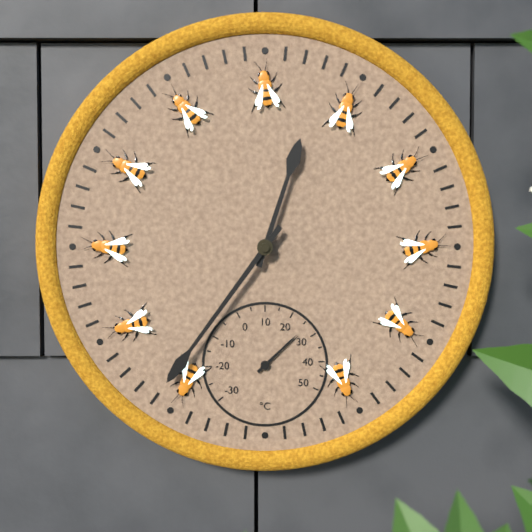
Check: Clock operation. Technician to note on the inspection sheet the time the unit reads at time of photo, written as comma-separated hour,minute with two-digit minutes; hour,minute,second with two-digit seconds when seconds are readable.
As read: 12,36
